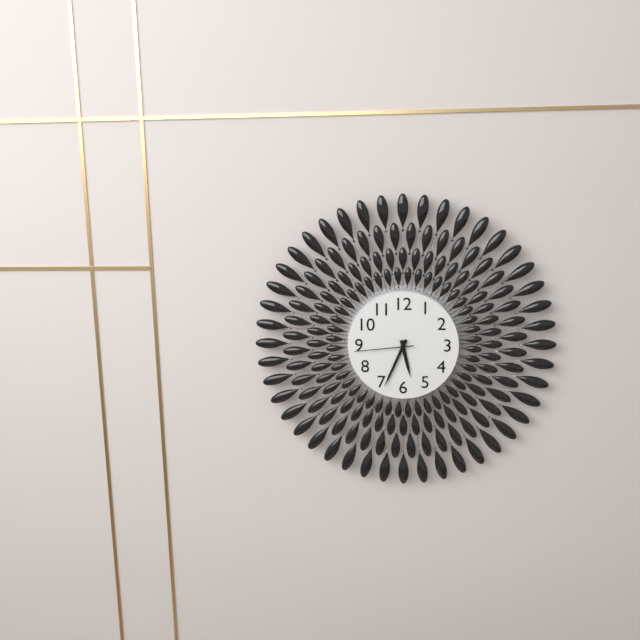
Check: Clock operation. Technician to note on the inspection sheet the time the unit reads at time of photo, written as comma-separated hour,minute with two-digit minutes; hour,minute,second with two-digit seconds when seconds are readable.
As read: 5,34,44
